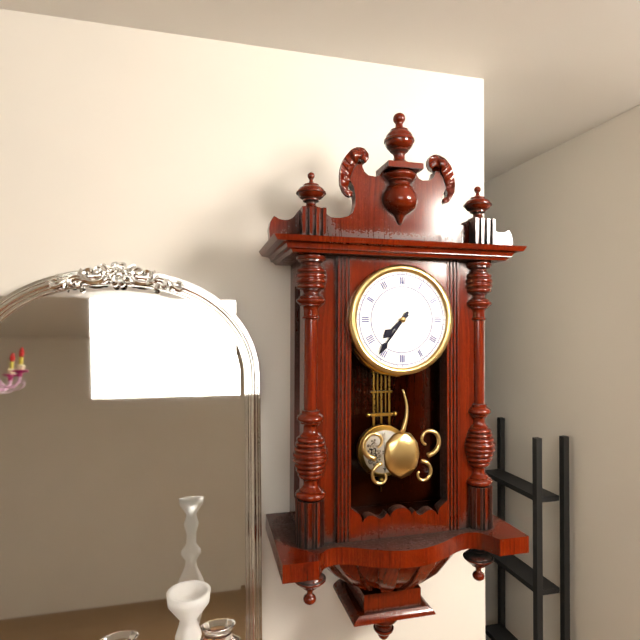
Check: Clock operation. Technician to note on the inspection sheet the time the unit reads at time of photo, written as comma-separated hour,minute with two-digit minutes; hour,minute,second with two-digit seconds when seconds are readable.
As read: 7,36
